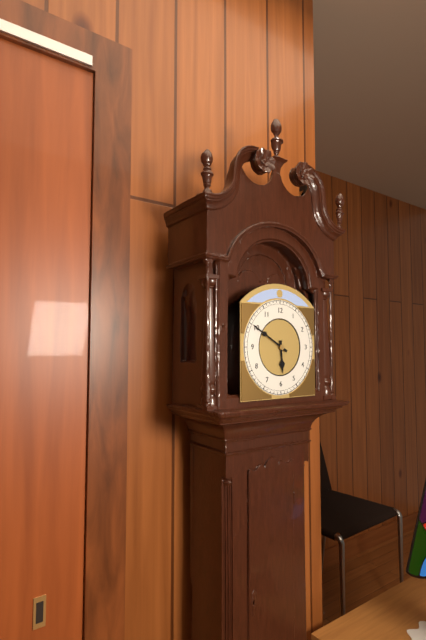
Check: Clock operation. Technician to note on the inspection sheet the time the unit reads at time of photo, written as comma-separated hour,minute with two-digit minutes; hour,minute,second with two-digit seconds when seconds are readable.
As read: 5,50
